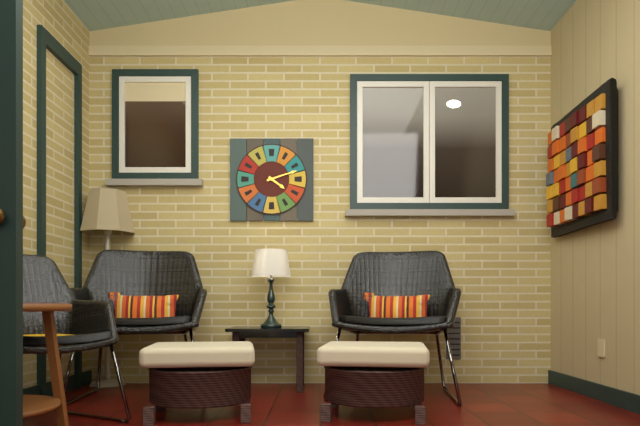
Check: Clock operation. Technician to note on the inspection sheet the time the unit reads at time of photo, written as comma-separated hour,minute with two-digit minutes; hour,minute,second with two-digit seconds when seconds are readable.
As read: 4,12
